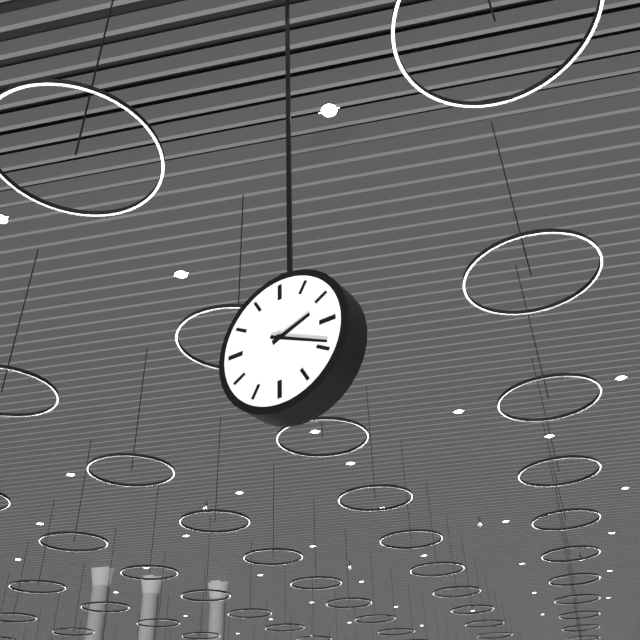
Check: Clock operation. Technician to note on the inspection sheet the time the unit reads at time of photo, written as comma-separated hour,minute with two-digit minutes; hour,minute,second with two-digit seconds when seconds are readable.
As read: 2,19
